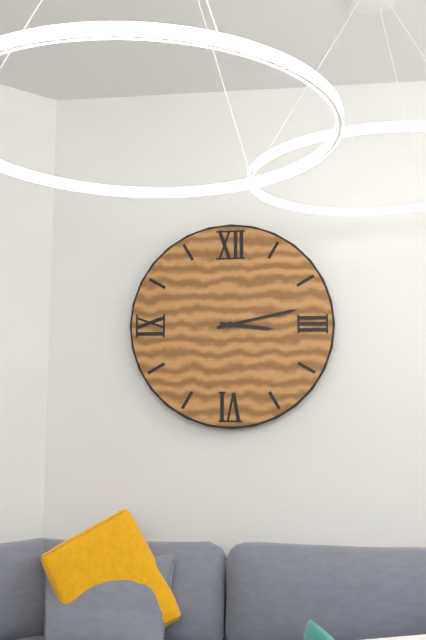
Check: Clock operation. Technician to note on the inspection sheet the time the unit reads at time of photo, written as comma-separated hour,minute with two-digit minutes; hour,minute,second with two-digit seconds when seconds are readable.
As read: 3,13
